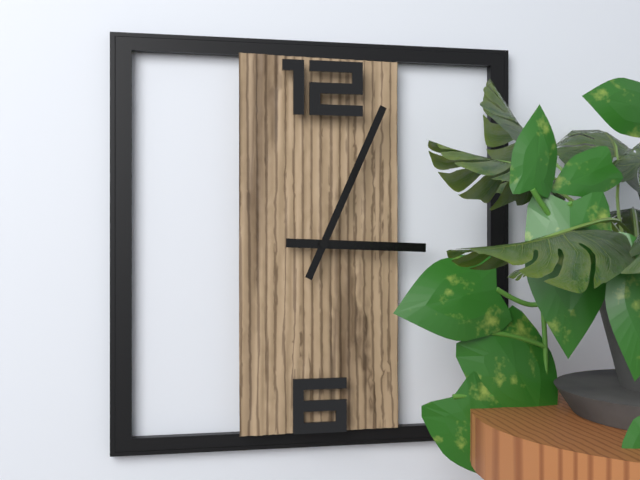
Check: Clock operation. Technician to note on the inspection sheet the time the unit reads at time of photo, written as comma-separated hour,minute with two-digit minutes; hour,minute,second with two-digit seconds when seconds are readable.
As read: 3,04
